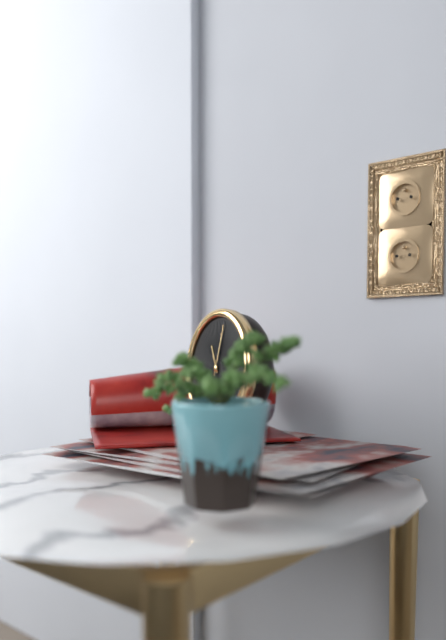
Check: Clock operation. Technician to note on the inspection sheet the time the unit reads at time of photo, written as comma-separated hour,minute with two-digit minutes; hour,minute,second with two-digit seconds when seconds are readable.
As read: 11,02
